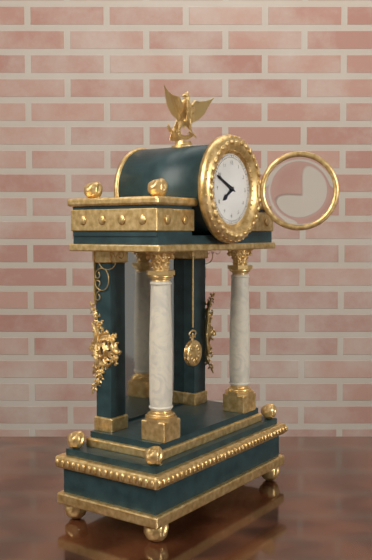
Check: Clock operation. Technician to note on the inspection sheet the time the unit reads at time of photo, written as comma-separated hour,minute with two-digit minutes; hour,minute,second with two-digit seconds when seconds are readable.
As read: 7,49
